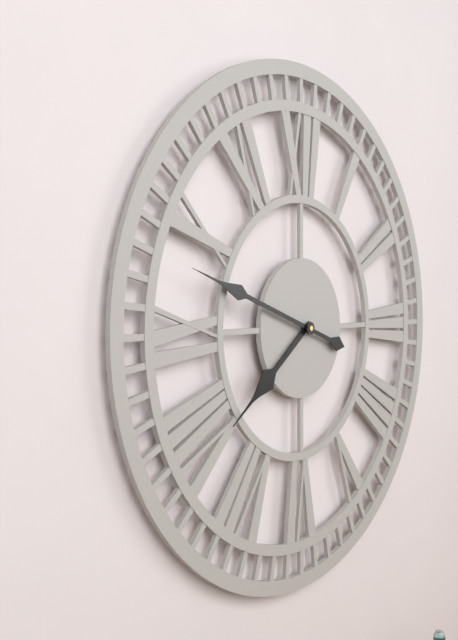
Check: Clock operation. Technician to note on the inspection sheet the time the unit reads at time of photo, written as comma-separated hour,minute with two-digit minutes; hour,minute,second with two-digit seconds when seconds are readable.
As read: 7,48
